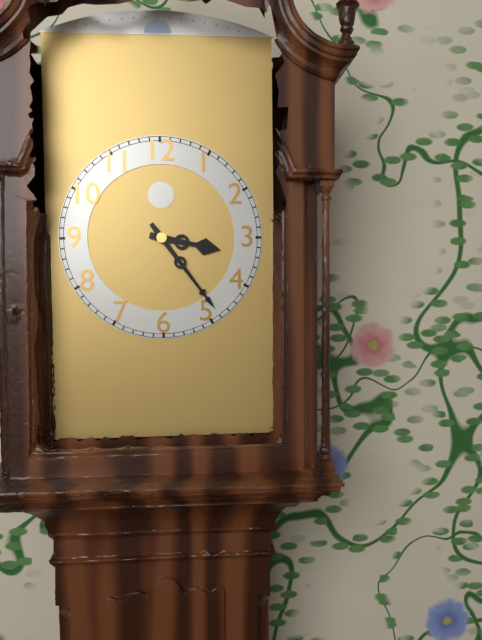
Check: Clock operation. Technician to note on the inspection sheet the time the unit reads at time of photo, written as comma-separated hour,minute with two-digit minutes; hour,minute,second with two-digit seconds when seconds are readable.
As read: 3,24
